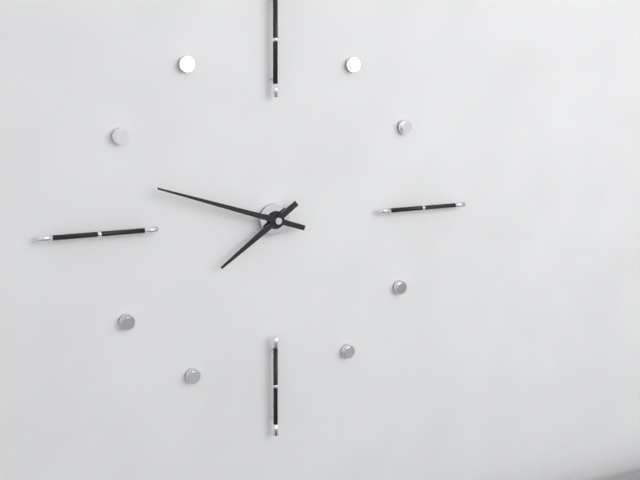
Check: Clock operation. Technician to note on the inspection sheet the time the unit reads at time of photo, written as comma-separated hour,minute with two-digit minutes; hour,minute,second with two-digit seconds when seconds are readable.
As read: 7,48
